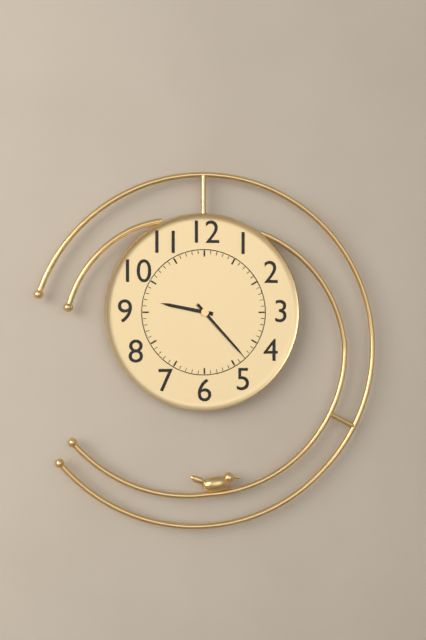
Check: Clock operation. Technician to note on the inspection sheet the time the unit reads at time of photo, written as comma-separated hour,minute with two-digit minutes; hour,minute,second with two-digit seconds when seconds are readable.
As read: 9,23
